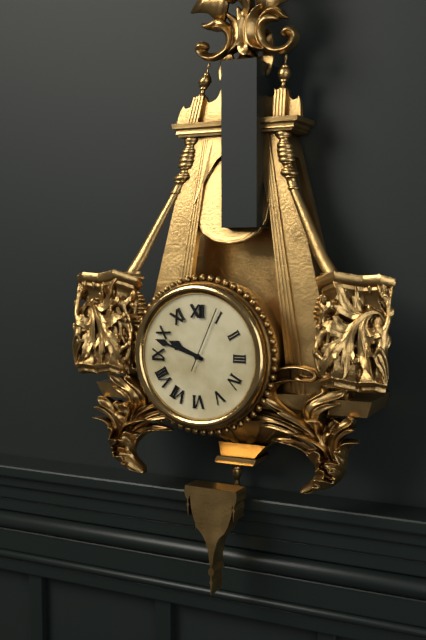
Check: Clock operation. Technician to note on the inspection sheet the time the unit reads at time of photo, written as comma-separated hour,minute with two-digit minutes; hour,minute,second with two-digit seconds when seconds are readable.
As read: 9,48,04
